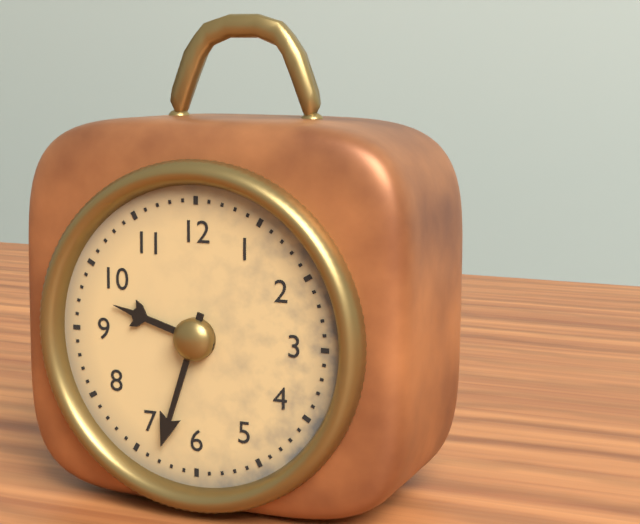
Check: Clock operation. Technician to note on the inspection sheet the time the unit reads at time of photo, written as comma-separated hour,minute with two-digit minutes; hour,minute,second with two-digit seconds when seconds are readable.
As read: 9,33
